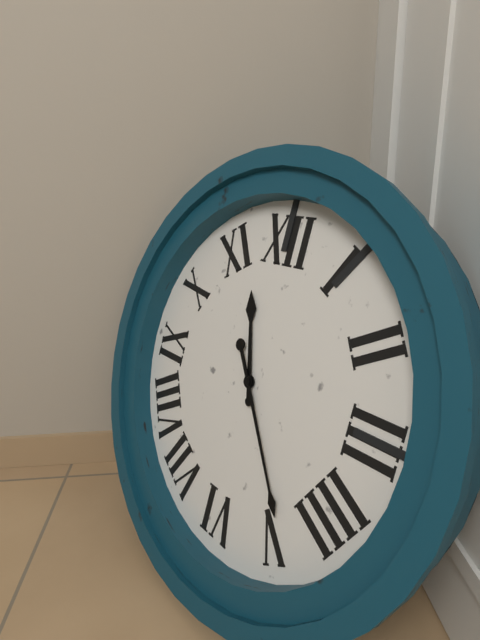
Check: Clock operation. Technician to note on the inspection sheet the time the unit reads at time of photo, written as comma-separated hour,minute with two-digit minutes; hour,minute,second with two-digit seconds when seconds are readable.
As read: 11,24
